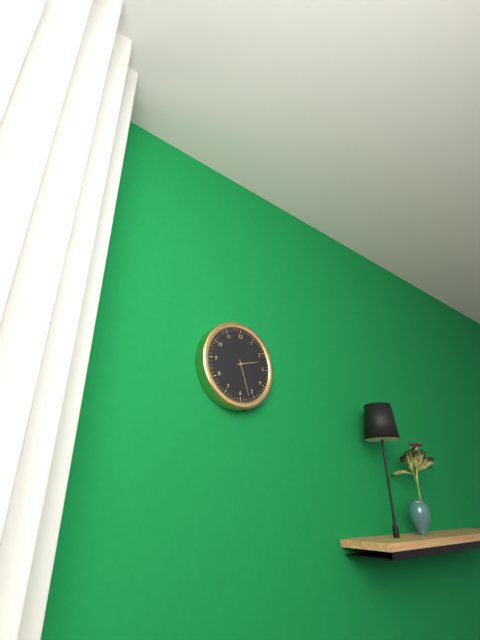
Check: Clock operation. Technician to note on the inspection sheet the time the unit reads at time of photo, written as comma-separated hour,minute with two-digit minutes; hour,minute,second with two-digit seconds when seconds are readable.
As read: 2,27
